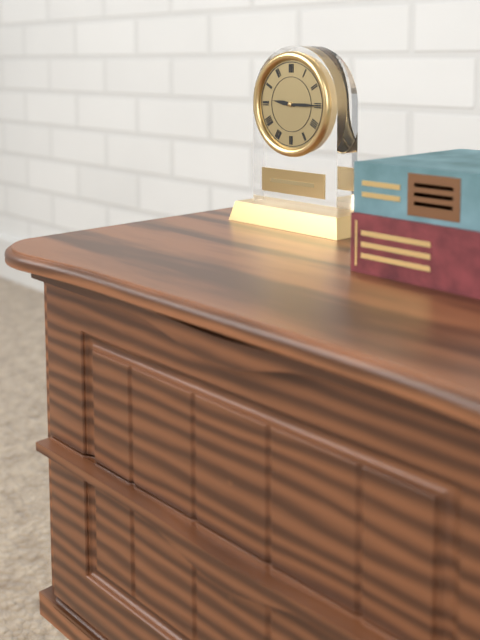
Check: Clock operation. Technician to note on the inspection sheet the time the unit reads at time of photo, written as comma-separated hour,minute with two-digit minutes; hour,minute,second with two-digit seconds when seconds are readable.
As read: 9,15
